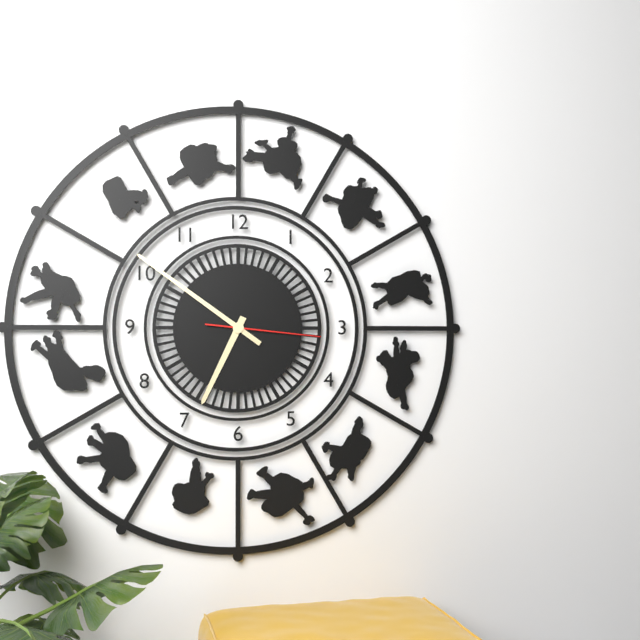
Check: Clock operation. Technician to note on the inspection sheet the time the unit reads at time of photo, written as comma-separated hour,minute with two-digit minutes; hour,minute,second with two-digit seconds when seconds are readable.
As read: 6,51,16
